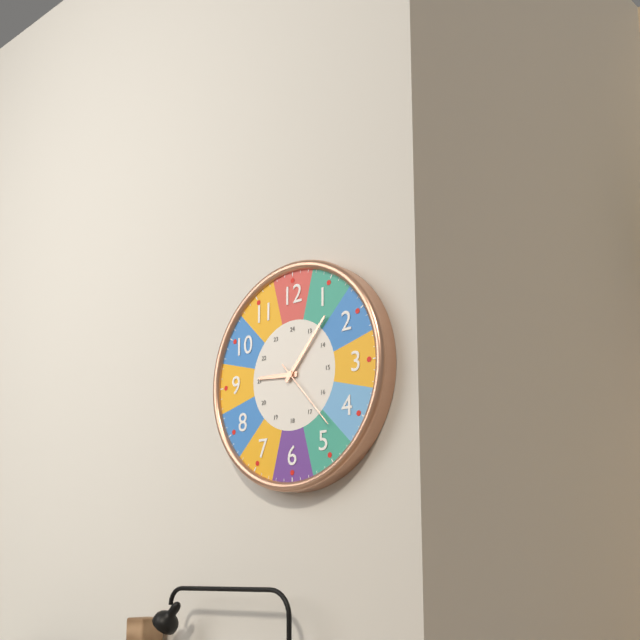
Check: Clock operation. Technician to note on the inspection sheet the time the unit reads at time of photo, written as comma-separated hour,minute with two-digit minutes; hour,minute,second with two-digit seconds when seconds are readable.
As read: 9,07,23
